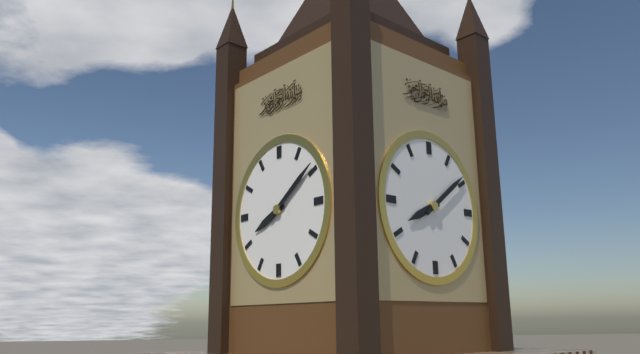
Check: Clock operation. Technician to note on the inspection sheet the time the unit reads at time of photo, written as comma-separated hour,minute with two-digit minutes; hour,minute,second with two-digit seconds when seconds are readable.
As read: 8,09
